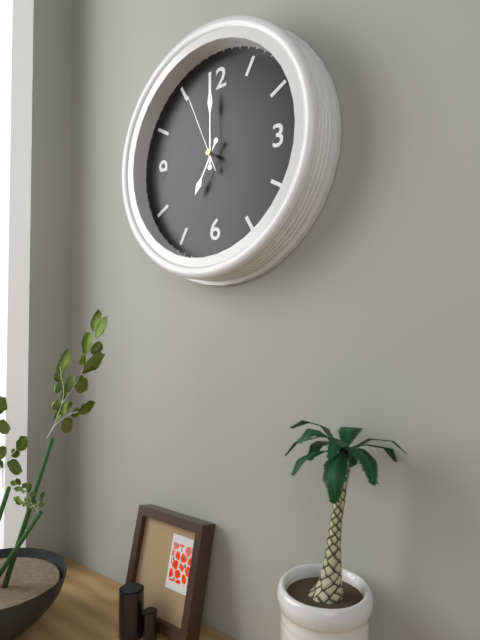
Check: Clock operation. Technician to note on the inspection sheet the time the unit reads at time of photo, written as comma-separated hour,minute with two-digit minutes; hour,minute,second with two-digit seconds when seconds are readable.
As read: 7,00,56
